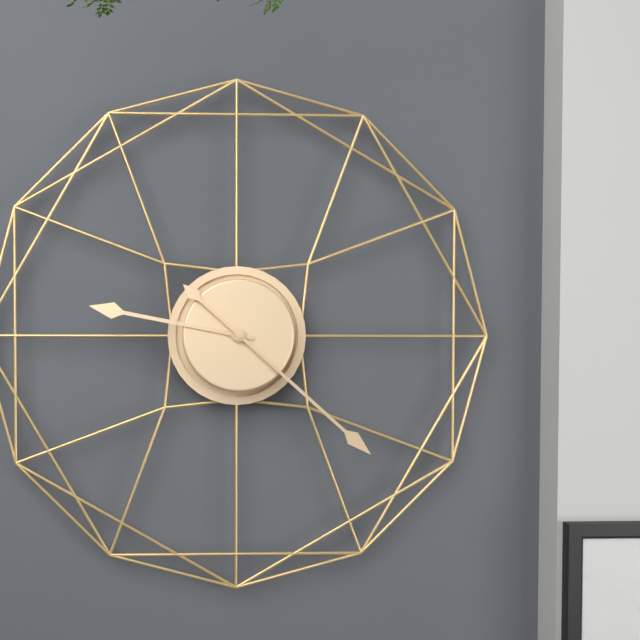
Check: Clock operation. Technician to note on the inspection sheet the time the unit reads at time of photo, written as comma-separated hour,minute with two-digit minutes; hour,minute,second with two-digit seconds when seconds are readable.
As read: 9,22
